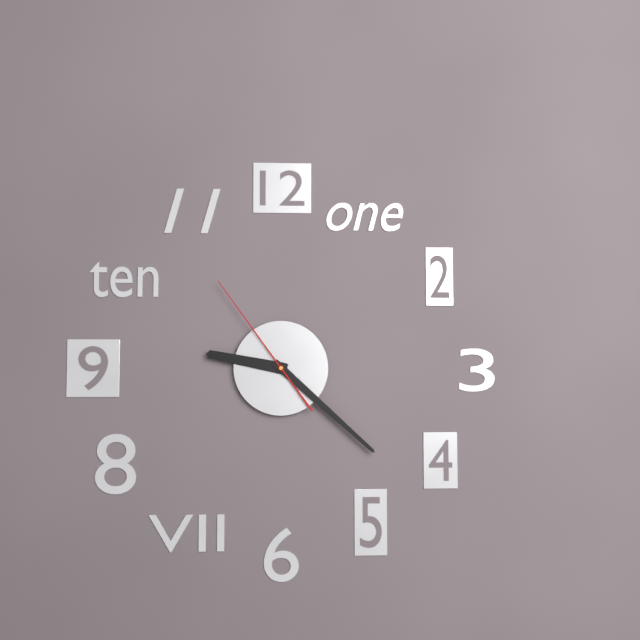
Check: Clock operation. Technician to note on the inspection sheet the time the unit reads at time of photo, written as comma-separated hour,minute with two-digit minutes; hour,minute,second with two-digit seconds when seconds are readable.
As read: 9,22,54
